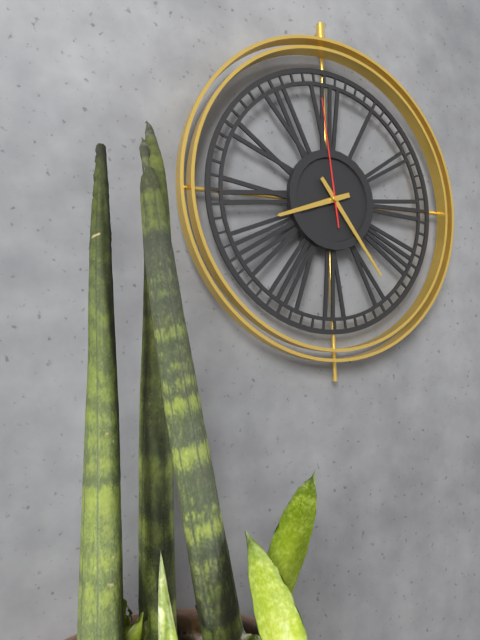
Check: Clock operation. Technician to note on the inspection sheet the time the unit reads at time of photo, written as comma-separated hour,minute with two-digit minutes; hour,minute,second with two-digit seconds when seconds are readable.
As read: 8,24,59
